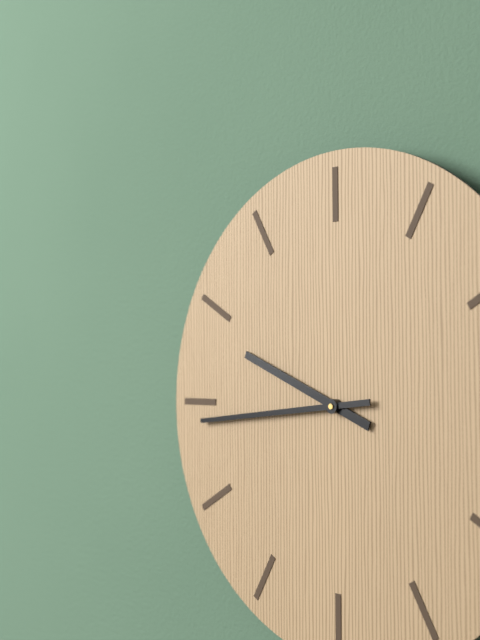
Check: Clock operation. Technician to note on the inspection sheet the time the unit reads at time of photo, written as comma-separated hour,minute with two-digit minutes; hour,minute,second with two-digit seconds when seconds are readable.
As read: 9,44
